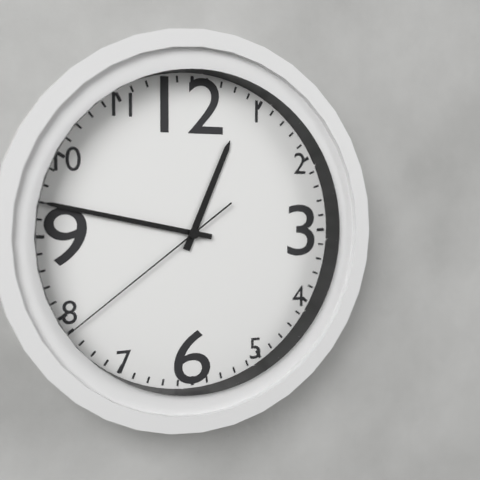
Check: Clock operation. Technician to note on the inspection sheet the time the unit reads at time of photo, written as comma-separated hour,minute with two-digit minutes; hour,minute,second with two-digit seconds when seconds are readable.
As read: 12,47,39
